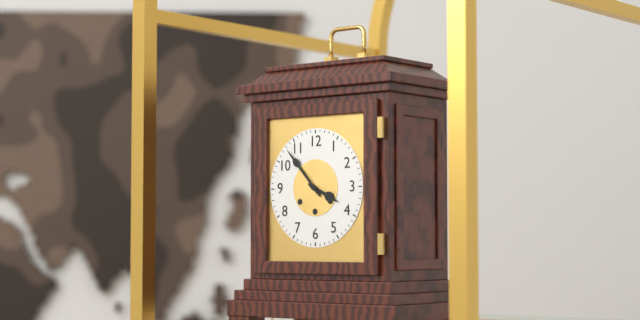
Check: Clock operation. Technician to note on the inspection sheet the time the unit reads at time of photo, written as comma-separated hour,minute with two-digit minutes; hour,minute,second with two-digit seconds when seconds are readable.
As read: 3,53
